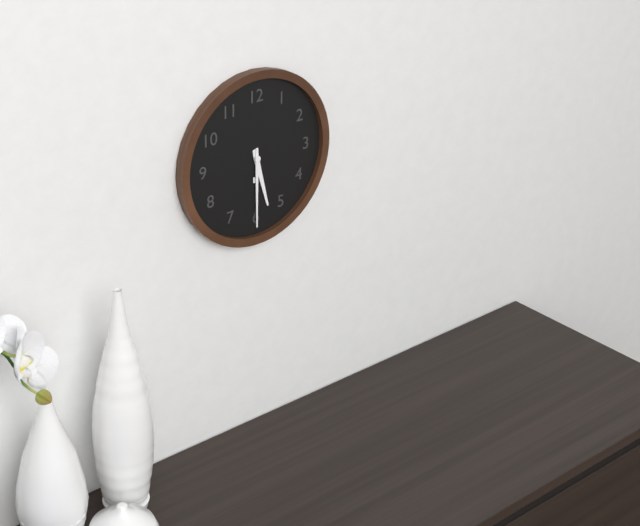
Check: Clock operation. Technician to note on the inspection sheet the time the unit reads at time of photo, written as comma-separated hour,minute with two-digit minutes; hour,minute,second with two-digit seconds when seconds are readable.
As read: 5,30
